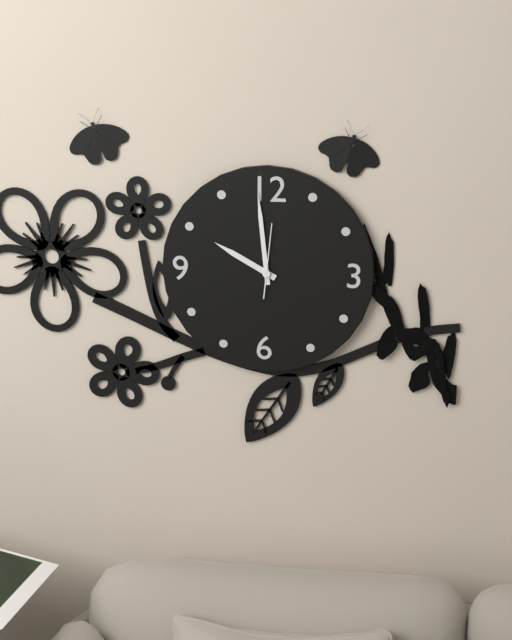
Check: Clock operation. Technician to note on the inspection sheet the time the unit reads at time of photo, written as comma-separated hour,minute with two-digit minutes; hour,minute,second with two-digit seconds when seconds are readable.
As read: 9,59,01
